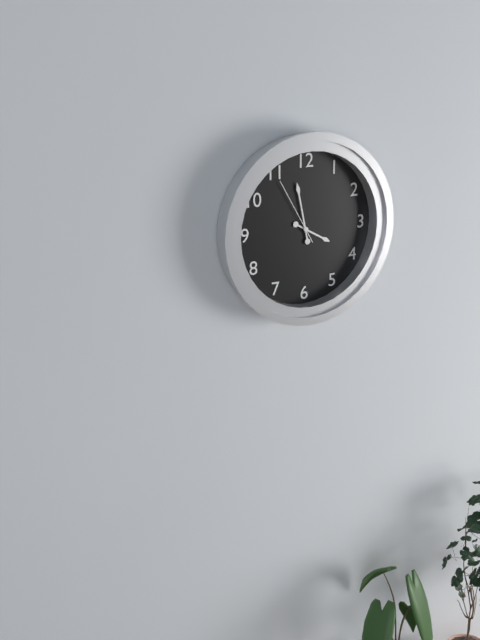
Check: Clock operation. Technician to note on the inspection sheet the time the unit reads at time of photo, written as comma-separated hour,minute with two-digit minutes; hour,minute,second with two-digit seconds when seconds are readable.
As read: 3,58,55
